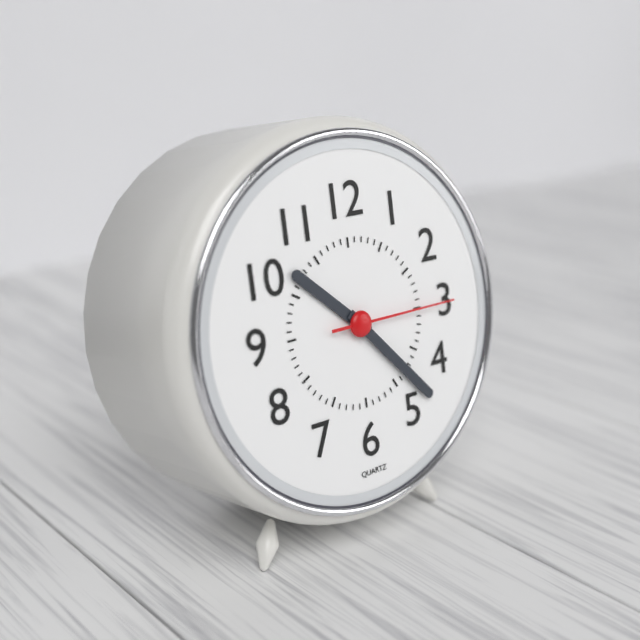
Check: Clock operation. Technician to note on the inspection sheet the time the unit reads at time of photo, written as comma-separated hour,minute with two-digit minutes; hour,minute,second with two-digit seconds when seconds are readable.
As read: 10,23,15
